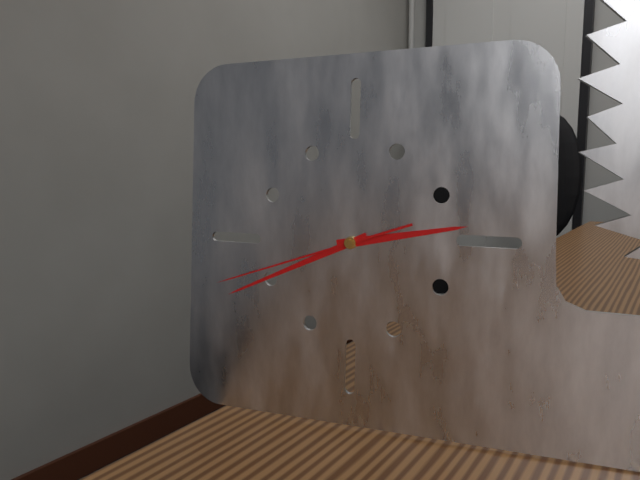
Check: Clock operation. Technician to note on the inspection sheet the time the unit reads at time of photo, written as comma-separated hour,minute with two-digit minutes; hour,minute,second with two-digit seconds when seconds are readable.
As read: 2,41,42
